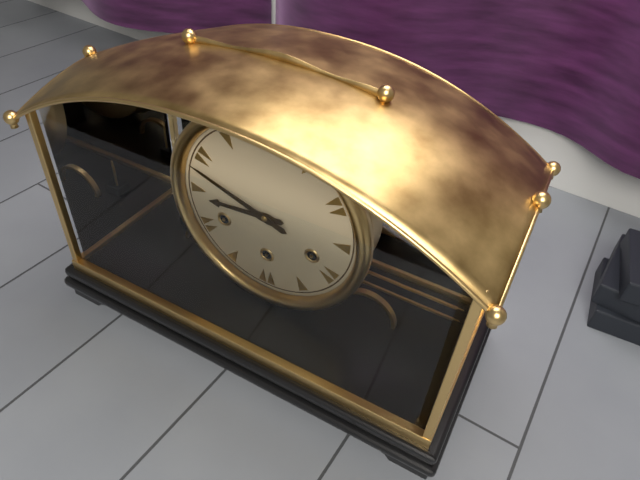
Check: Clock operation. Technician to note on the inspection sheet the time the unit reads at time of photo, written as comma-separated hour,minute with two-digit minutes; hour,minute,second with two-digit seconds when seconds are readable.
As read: 8,48
